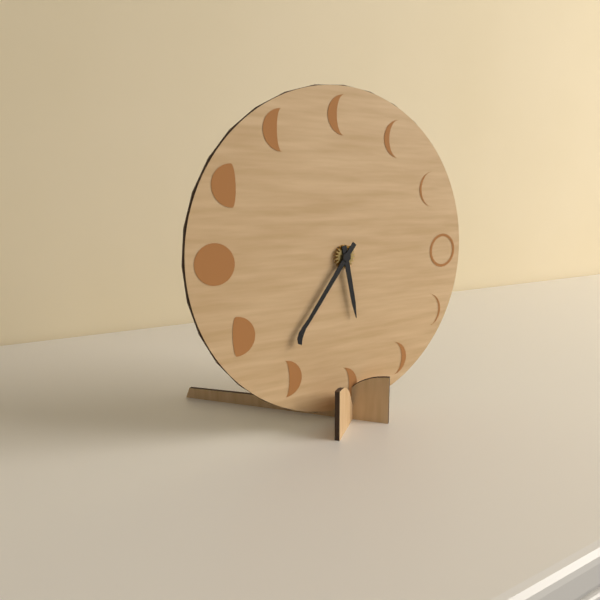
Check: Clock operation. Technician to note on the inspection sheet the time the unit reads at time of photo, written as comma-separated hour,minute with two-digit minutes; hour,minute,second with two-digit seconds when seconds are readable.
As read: 5,36
